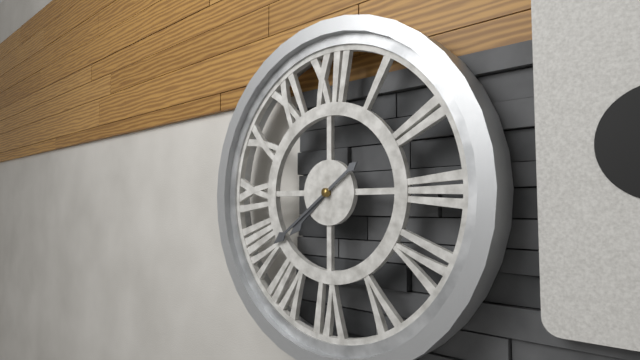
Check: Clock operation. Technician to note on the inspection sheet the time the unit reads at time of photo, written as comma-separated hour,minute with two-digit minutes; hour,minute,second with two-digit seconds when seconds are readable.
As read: 7,39
